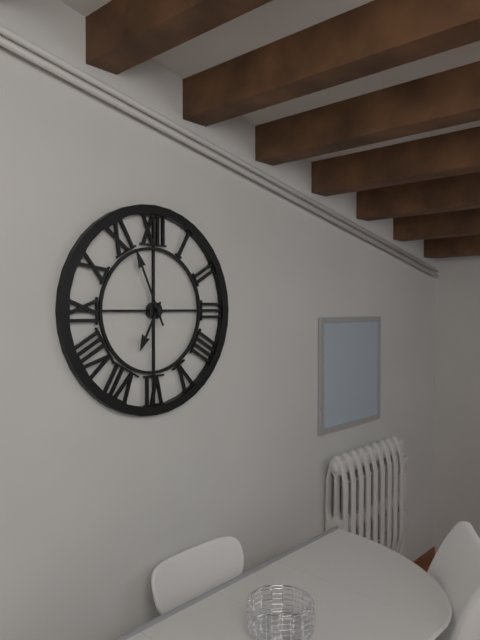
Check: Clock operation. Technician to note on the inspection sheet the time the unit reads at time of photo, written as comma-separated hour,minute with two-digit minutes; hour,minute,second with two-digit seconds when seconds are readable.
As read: 6,56
